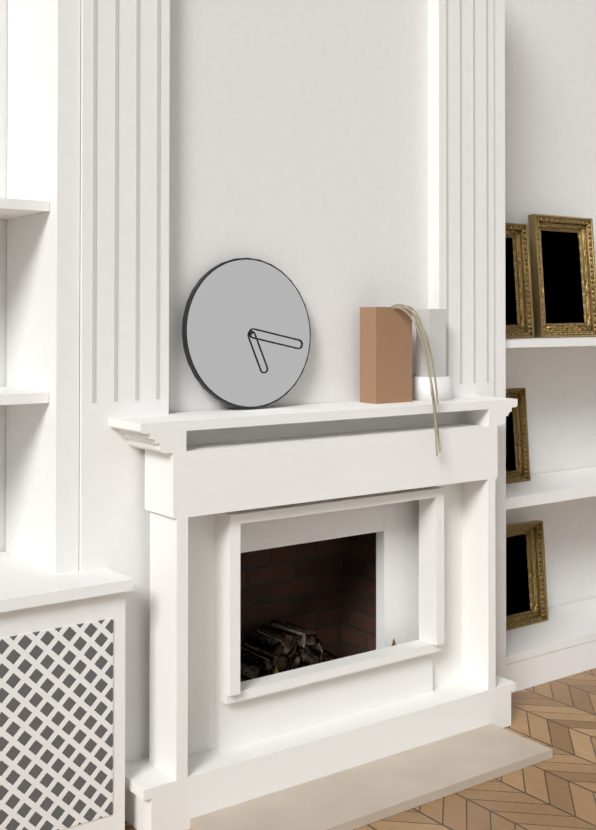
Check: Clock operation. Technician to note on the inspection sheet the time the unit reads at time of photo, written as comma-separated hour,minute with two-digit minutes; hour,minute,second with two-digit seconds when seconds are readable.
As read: 5,17
